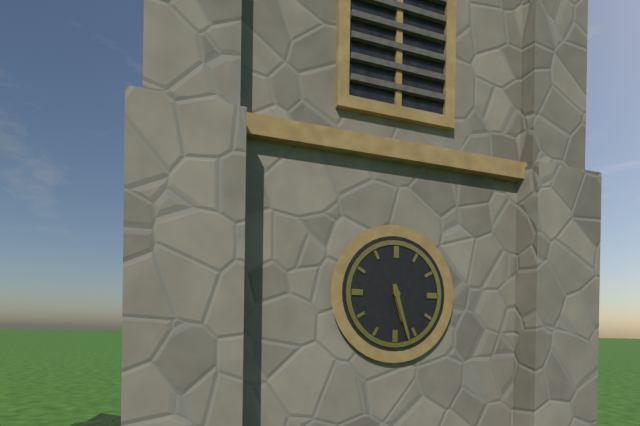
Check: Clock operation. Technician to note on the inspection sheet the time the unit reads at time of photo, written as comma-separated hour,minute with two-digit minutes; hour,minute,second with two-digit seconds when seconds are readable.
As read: 5,27
